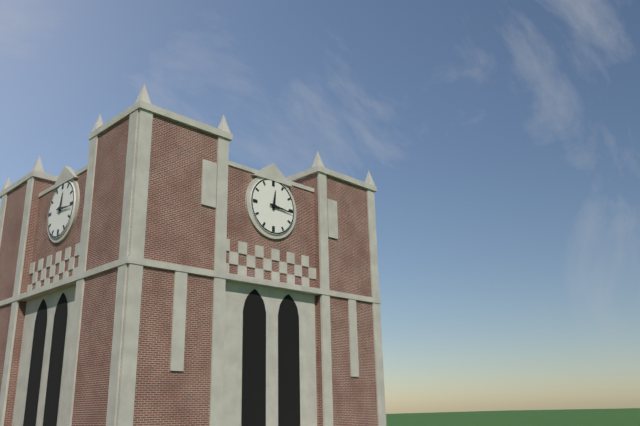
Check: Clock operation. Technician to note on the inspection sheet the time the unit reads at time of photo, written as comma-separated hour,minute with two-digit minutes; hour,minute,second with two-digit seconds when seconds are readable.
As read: 12,16
